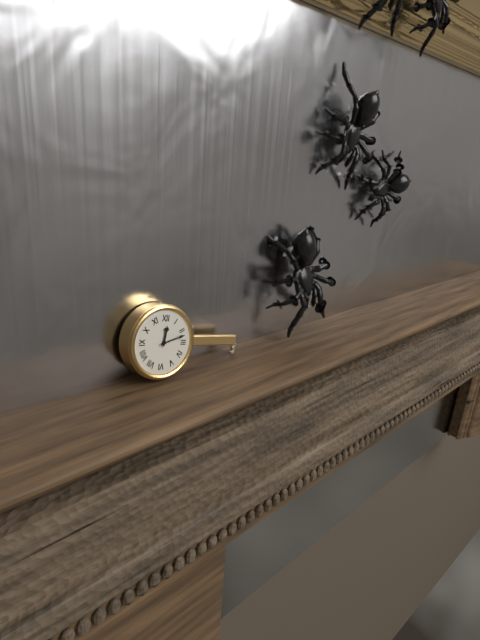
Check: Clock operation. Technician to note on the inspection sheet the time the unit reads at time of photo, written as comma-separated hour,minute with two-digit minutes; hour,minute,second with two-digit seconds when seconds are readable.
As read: 12,12
